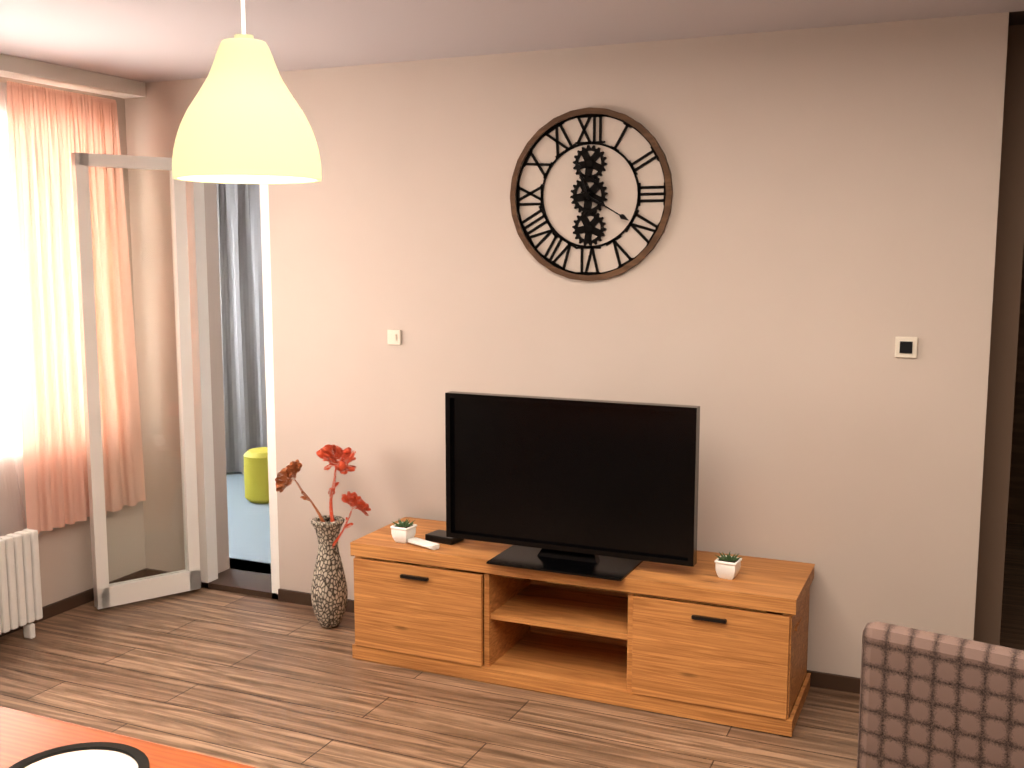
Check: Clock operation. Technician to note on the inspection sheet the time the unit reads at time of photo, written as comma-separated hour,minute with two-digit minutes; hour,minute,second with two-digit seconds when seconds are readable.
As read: 11,20
